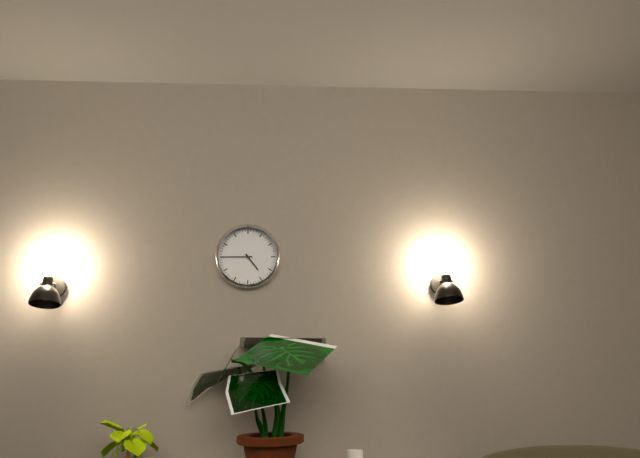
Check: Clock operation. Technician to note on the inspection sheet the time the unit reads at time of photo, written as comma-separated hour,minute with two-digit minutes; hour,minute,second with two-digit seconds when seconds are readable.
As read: 4,45
